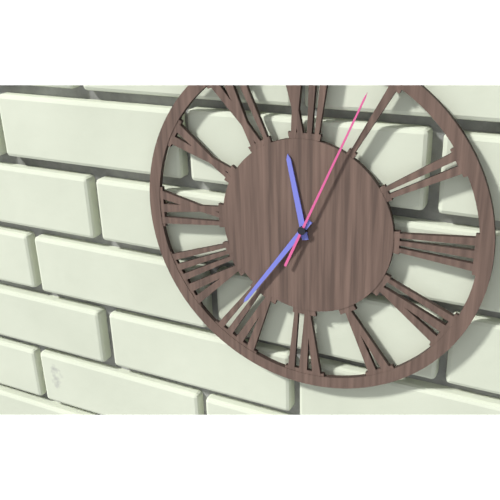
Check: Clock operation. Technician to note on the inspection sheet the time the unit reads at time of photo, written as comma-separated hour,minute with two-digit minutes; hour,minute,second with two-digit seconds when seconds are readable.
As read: 11,36,04
